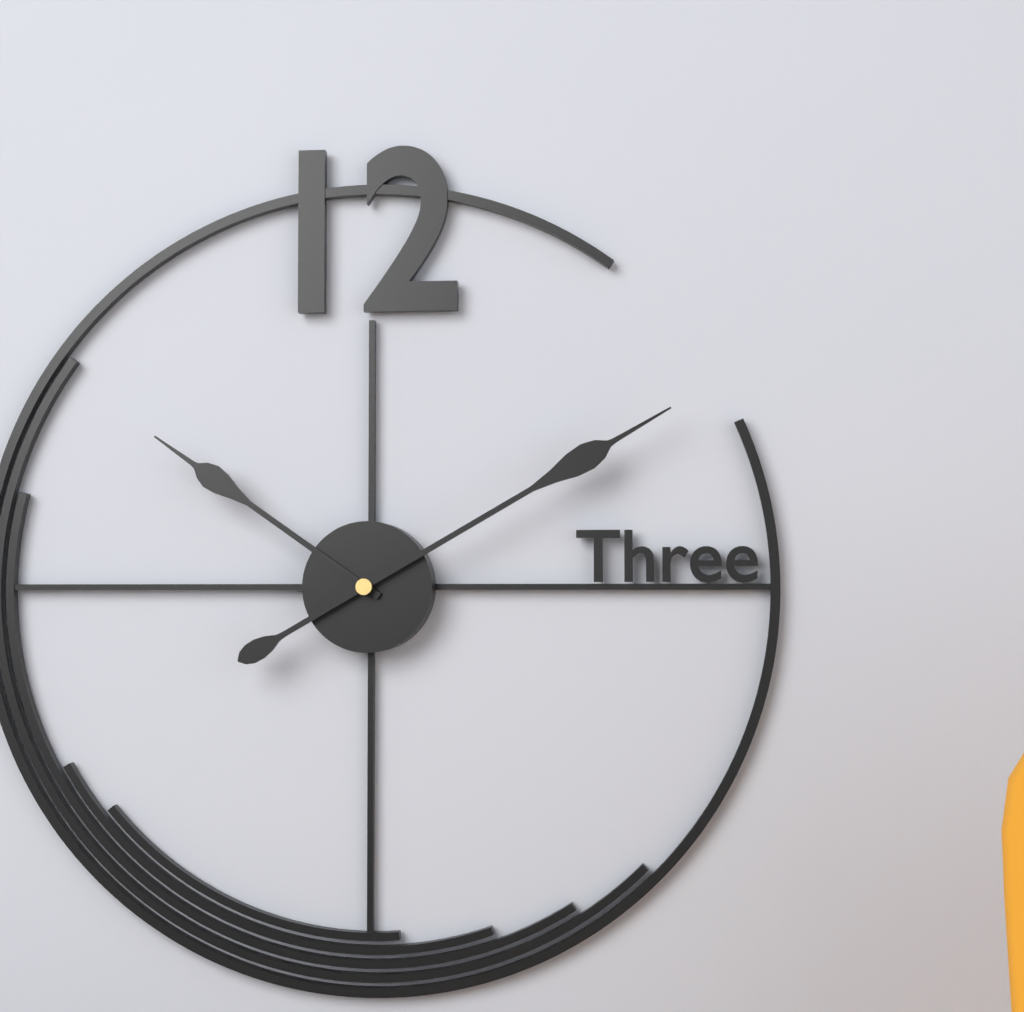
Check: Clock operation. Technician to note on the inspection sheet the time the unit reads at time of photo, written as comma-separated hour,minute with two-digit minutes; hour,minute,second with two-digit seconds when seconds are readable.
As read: 10,10
